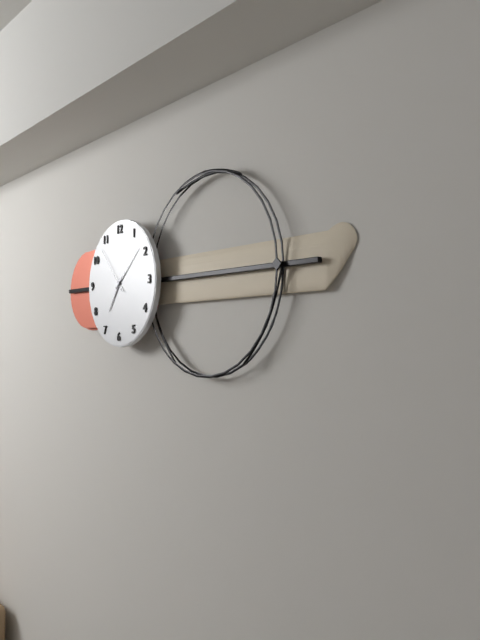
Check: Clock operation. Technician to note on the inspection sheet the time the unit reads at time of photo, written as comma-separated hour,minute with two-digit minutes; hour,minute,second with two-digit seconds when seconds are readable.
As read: 7,08
